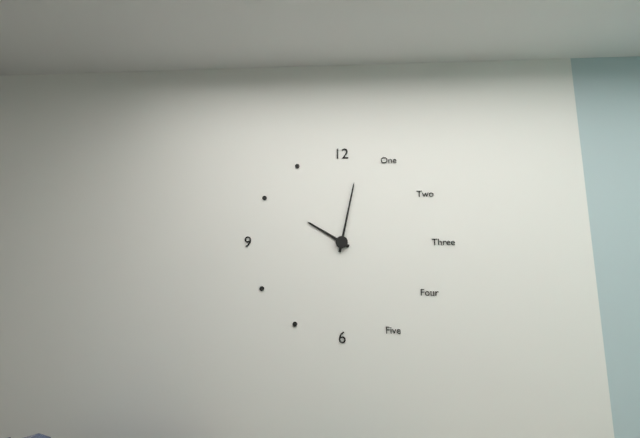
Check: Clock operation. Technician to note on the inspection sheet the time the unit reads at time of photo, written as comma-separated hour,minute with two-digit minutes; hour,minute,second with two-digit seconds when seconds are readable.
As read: 10,02
